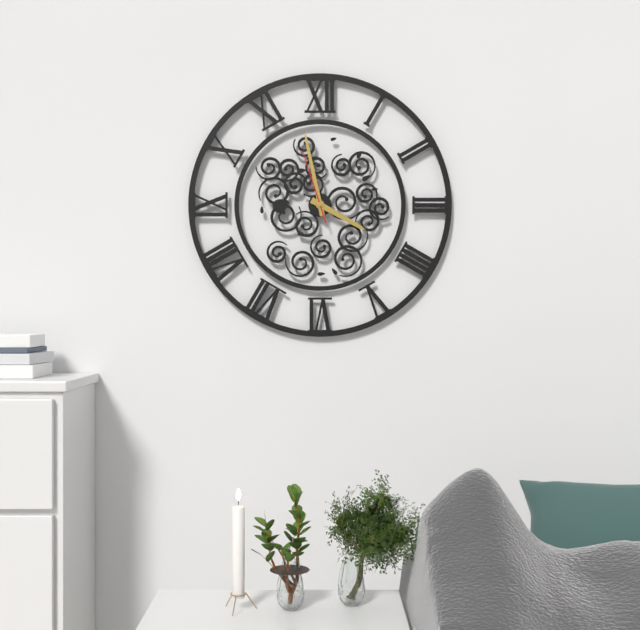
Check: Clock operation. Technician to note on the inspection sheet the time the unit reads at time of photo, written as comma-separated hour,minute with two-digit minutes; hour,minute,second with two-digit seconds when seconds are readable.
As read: 3,58,57
